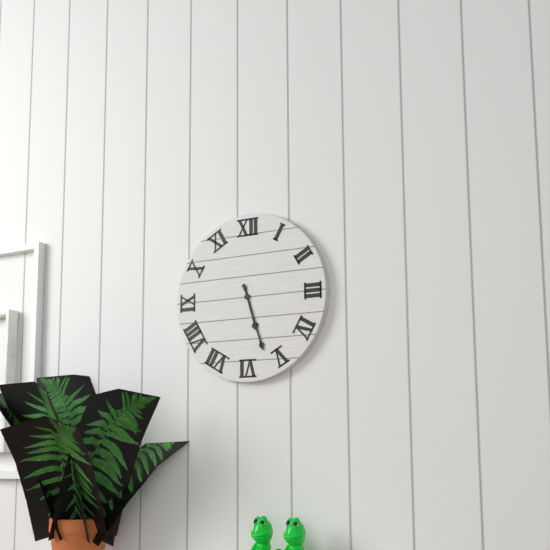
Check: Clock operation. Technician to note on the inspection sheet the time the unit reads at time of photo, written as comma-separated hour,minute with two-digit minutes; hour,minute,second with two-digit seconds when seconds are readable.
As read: 5,27
